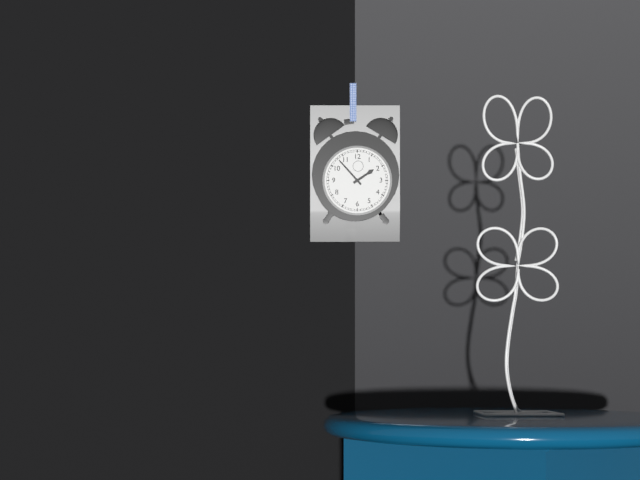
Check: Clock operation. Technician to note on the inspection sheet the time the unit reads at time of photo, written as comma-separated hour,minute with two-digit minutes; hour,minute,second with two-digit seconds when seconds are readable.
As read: 1,53
